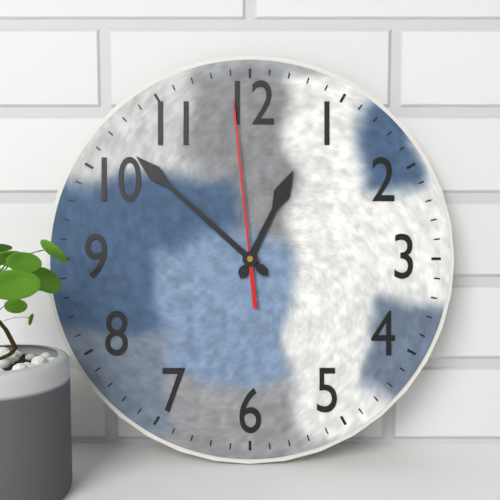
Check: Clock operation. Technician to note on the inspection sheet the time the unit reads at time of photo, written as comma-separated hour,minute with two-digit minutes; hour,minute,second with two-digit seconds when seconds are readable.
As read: 12,52,59
